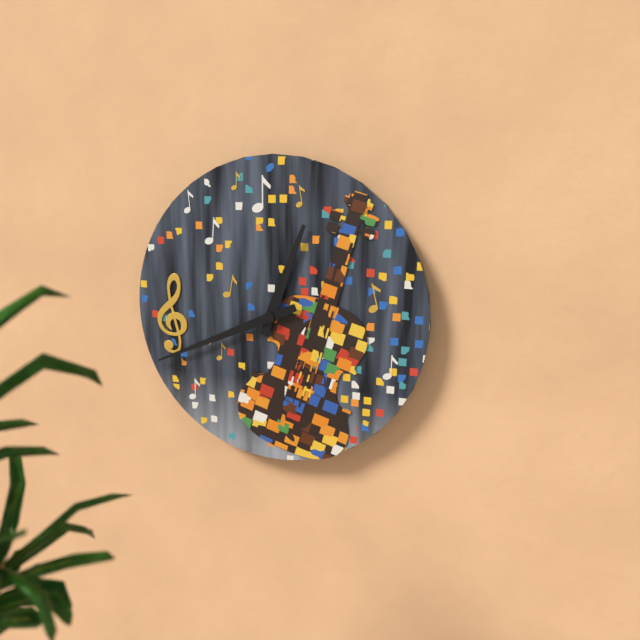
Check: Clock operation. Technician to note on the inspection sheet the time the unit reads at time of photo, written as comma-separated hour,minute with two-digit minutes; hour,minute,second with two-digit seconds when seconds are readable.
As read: 12,41
